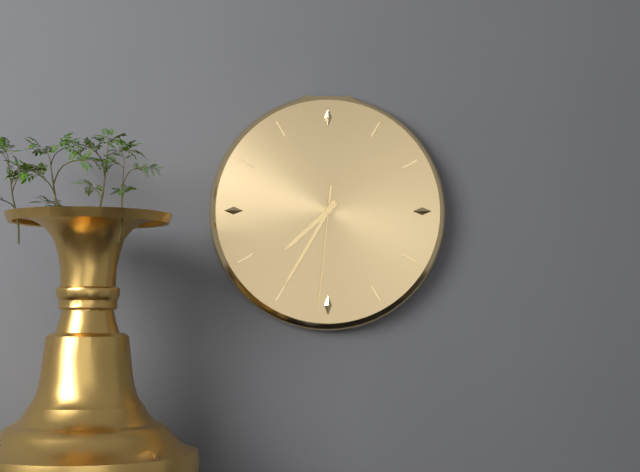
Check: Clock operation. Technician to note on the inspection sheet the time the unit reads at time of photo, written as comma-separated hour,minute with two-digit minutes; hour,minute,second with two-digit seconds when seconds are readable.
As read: 7,35,31
